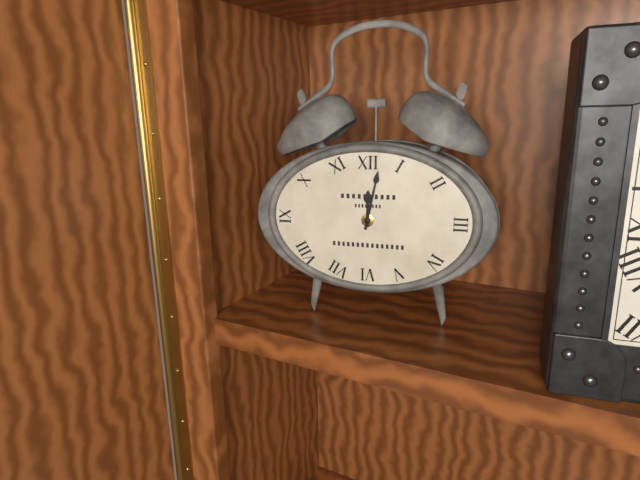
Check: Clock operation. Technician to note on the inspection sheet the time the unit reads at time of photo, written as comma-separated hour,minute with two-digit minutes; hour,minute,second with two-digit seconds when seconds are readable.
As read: 12,02
